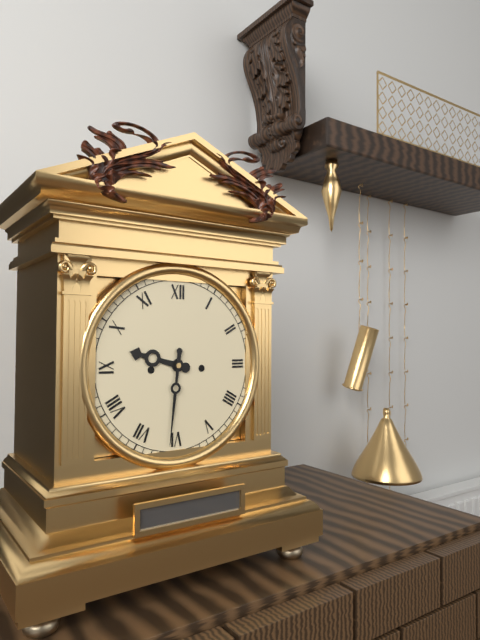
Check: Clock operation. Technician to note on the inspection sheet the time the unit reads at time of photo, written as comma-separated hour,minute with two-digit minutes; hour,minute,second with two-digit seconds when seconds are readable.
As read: 9,31
